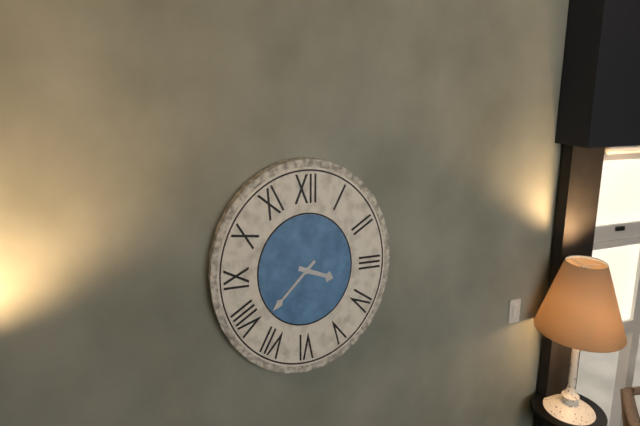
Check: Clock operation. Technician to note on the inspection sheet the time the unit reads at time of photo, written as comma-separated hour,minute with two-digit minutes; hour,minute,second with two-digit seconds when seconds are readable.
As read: 3,38
